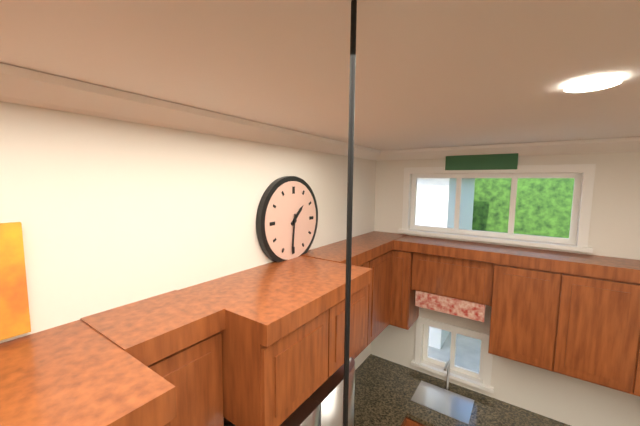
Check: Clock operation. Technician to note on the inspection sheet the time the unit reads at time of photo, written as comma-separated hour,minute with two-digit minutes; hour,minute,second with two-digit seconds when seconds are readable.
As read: 1,31
